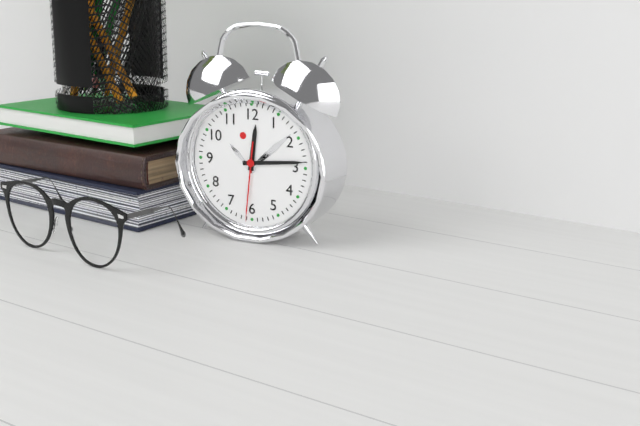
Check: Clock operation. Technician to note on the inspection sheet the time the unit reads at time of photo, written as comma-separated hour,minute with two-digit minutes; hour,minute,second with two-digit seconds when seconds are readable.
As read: 12,14,31
